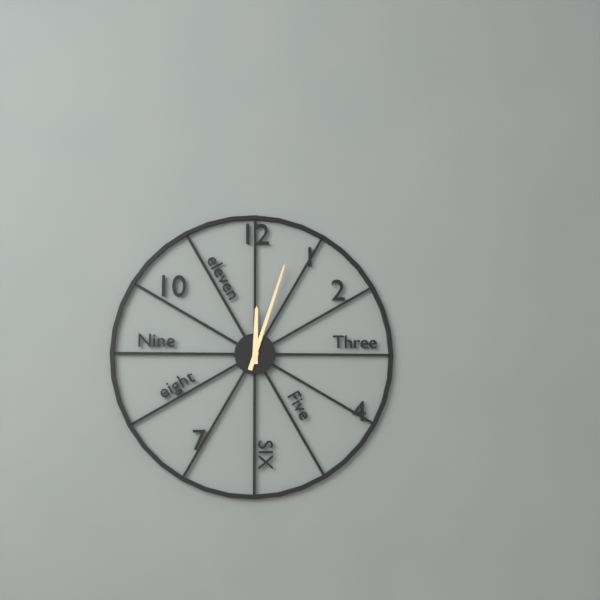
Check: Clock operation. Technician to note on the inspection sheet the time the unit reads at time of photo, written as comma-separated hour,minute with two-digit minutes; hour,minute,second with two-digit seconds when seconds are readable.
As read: 12,03
